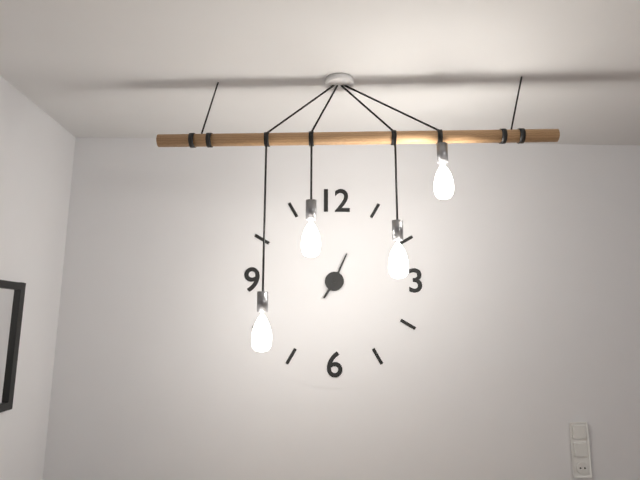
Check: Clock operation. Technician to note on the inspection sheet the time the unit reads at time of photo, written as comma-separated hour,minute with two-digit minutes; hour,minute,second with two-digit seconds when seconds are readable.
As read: 7,04
